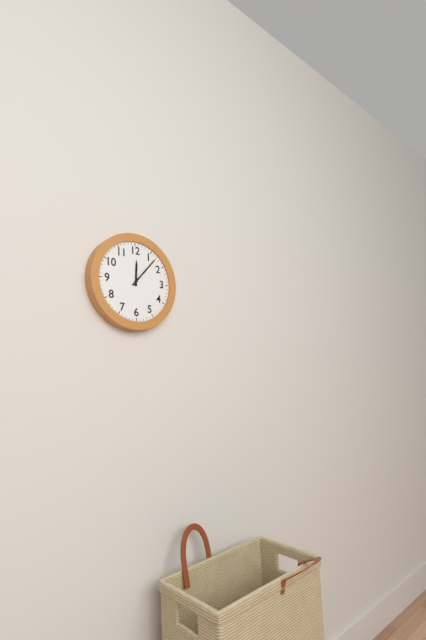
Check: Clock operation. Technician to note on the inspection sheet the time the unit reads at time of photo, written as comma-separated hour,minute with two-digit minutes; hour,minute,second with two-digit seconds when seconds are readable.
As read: 12,07
